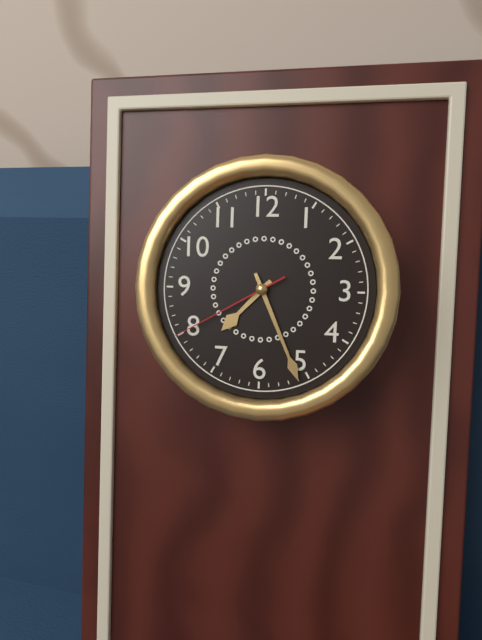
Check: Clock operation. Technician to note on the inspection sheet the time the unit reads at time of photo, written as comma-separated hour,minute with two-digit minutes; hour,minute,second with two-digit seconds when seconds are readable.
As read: 7,26,40
